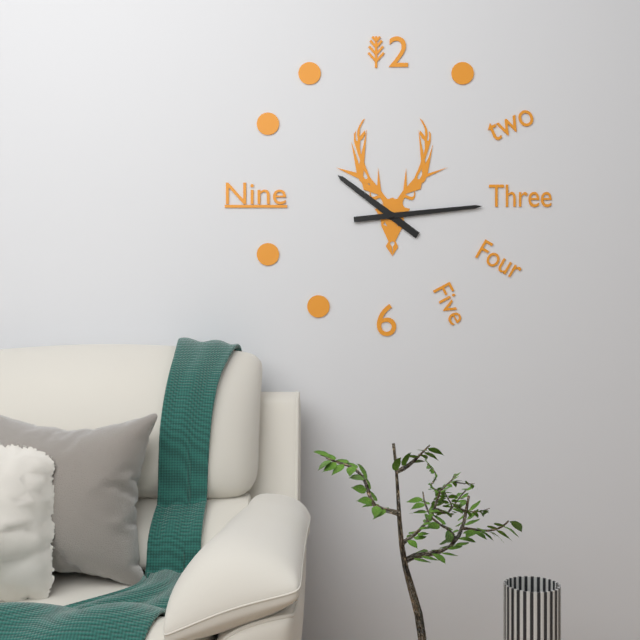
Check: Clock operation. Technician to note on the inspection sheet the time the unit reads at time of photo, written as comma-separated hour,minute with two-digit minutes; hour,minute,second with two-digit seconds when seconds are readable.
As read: 10,14
